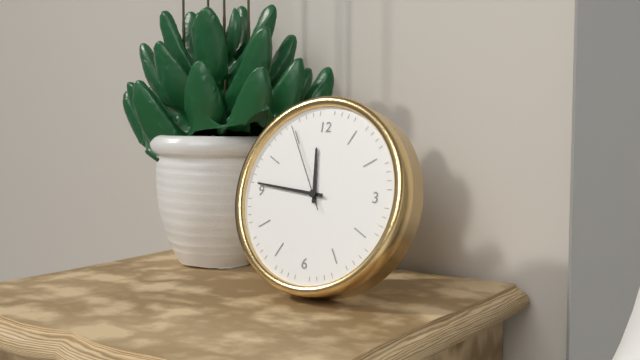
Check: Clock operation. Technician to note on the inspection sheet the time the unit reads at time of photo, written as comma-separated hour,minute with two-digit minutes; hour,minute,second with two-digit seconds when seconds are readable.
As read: 11,46,55
